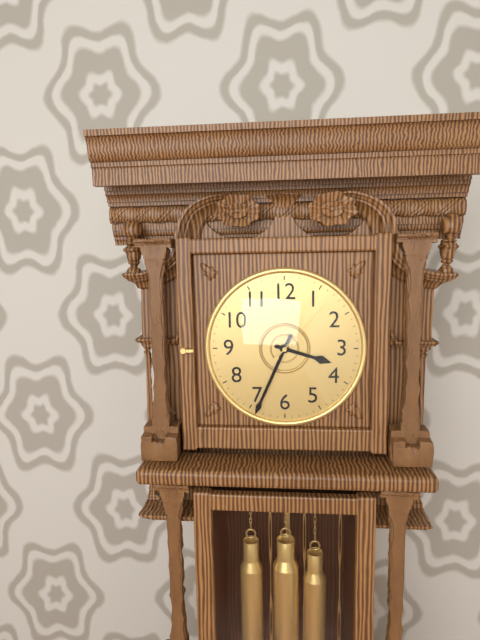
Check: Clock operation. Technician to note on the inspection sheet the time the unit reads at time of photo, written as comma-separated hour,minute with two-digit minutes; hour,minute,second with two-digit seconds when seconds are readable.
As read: 3,34,07
